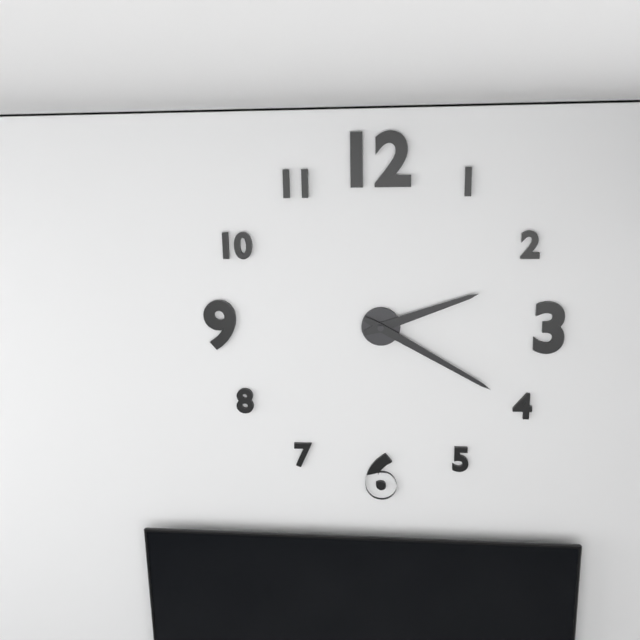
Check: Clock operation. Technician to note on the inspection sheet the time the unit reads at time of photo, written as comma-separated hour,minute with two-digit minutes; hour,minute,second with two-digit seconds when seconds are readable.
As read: 2,20
